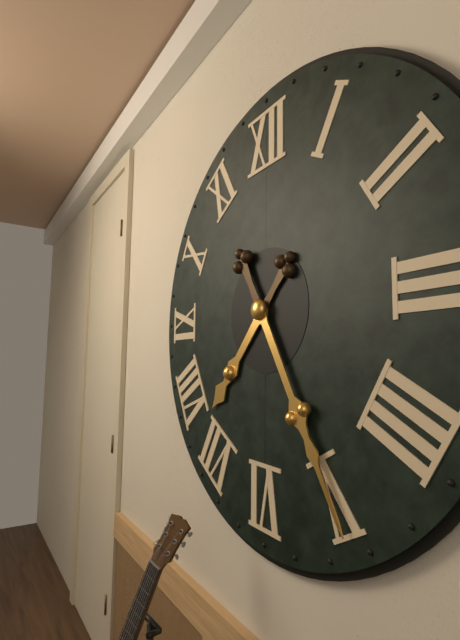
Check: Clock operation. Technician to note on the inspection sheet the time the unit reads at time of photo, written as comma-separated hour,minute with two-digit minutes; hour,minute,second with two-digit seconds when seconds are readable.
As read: 7,25
